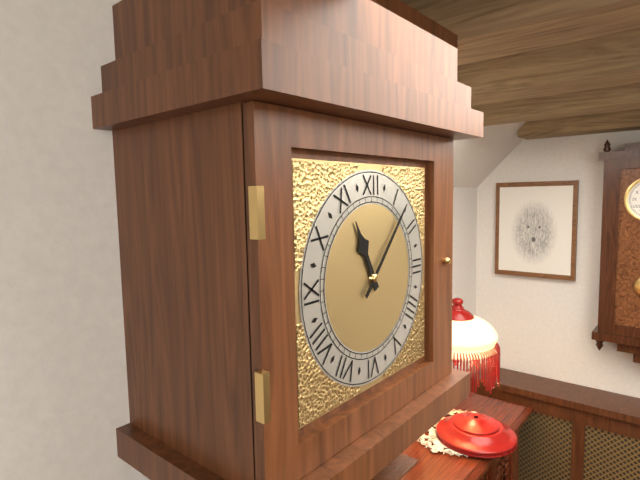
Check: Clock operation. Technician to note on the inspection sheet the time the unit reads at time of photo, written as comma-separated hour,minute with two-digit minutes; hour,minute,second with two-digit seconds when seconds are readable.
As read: 11,07
